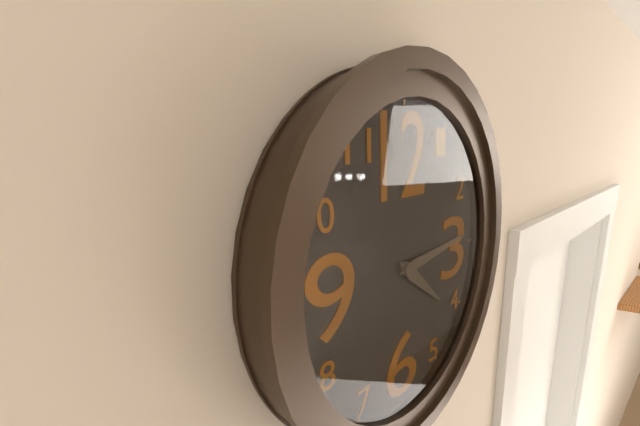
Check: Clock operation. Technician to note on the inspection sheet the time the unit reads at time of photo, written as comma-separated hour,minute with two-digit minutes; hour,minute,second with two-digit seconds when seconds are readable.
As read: 4,14
